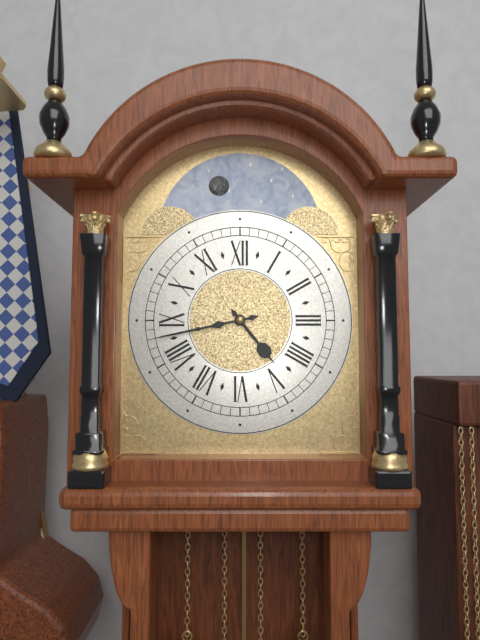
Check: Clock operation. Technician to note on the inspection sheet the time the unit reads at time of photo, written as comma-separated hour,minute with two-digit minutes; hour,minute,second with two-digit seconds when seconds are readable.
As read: 4,43
